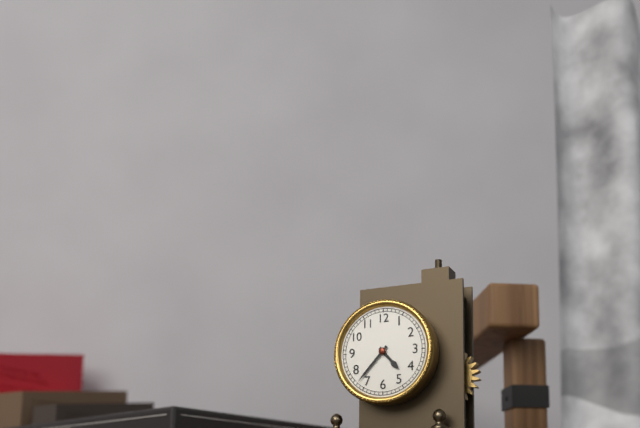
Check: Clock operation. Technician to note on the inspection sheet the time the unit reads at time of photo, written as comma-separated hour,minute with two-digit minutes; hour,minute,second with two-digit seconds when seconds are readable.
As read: 4,37
